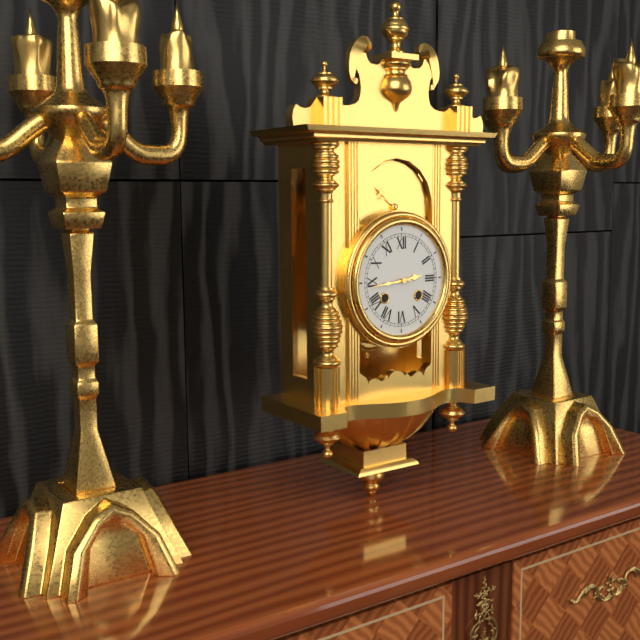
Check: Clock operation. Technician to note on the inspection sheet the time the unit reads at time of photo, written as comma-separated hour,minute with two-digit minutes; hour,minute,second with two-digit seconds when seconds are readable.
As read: 2,44
